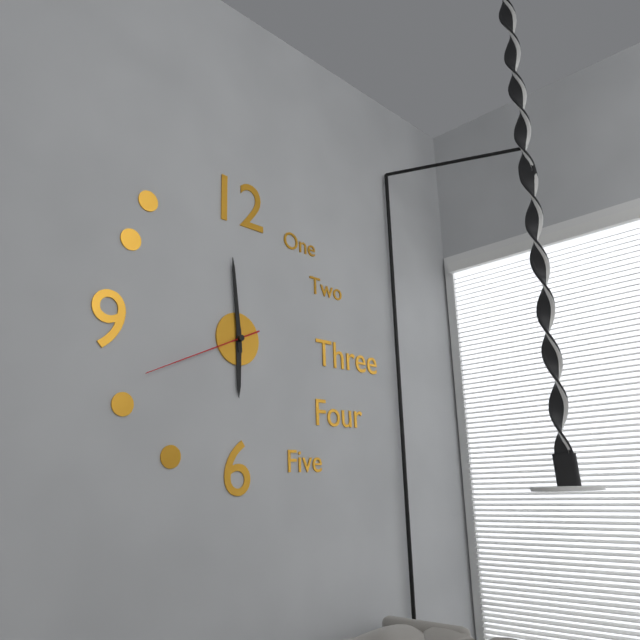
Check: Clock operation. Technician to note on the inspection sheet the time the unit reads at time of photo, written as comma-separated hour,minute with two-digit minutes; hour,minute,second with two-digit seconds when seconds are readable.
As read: 5,59,41
